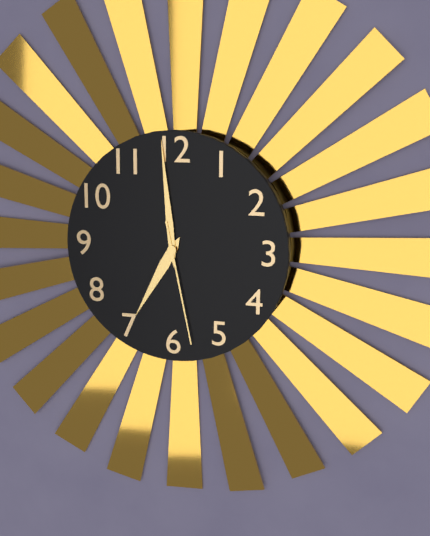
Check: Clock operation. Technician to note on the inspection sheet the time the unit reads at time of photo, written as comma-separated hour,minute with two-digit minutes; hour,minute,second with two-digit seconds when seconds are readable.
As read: 6,59,28
